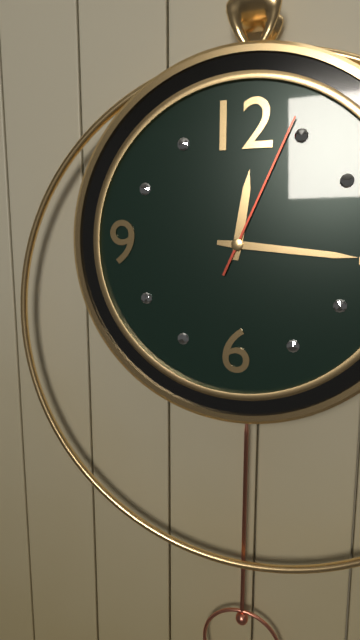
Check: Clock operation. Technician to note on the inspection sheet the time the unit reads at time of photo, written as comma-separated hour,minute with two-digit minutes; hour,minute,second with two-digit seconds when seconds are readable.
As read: 12,16,04
